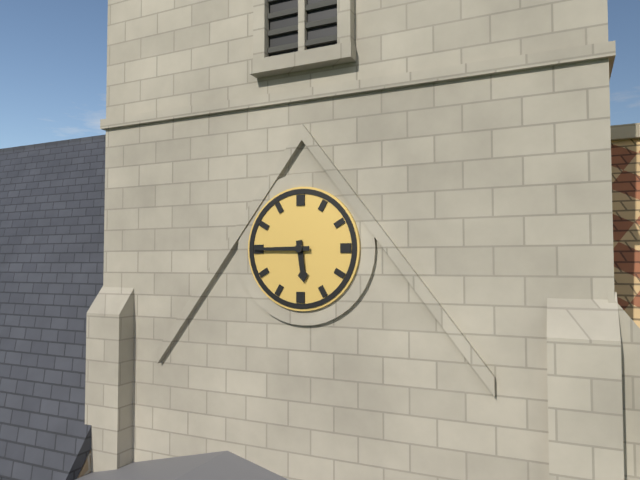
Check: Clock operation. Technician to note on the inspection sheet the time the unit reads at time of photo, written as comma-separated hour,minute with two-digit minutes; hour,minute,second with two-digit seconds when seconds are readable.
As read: 5,45
